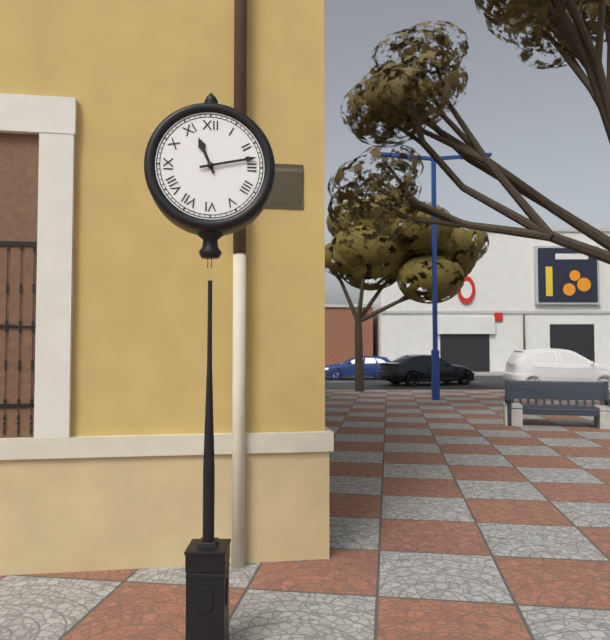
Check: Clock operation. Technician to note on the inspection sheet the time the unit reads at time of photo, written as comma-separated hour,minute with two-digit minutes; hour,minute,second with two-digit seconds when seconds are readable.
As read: 11,13
